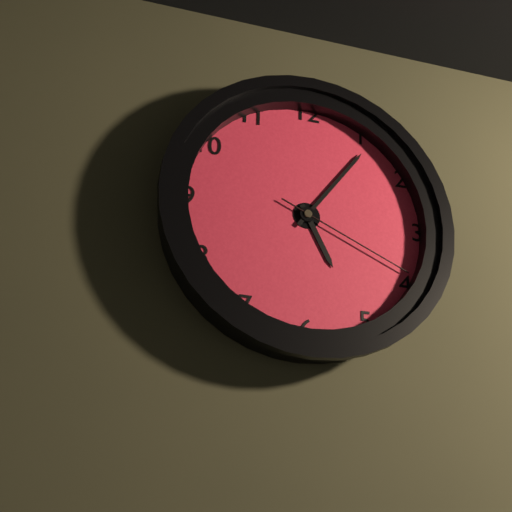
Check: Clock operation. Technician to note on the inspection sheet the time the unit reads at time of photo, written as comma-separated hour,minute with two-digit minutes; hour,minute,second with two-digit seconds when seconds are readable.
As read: 5,06,19
